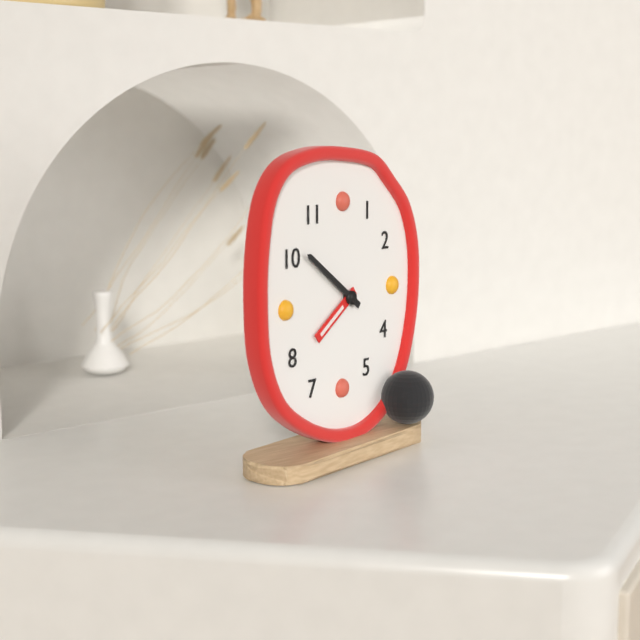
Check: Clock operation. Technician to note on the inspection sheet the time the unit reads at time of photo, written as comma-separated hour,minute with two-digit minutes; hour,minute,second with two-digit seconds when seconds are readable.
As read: 7,51
